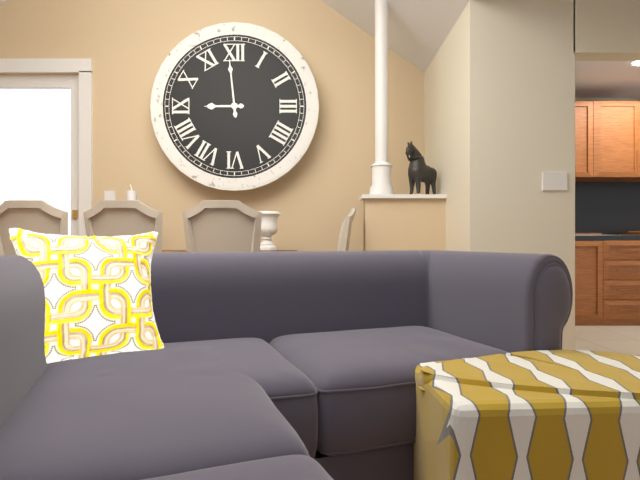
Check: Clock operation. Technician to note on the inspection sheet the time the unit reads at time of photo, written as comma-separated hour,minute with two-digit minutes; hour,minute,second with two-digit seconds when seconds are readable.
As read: 8,59
